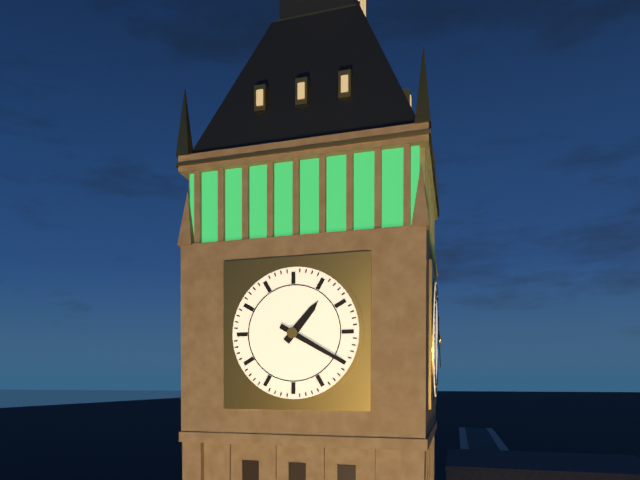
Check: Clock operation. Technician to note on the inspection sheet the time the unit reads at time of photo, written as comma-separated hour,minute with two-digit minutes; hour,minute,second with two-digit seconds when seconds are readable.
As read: 1,20
